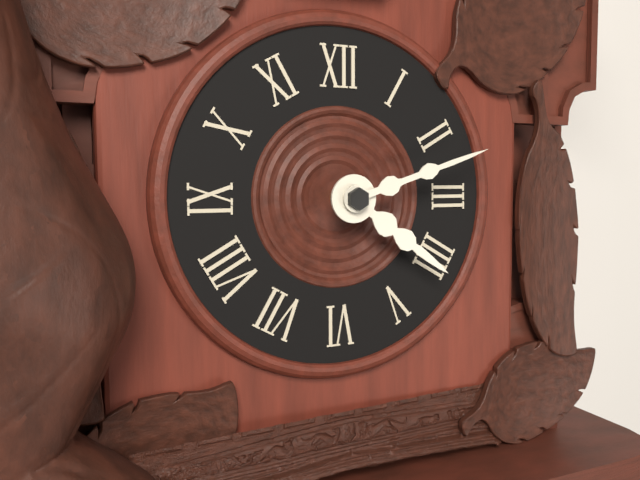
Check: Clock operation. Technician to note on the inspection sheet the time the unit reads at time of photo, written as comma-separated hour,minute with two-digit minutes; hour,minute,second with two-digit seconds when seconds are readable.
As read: 4,12
